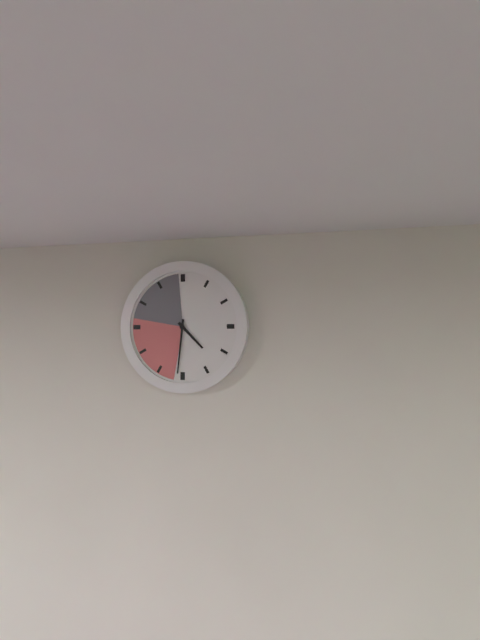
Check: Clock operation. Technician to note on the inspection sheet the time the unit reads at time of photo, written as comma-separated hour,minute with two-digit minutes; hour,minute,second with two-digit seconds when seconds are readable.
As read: 4,31
